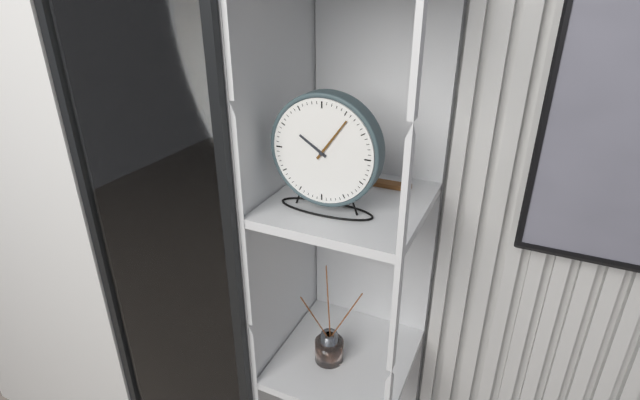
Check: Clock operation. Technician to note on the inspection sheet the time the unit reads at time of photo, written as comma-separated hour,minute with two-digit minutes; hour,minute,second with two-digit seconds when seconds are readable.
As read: 10,06
